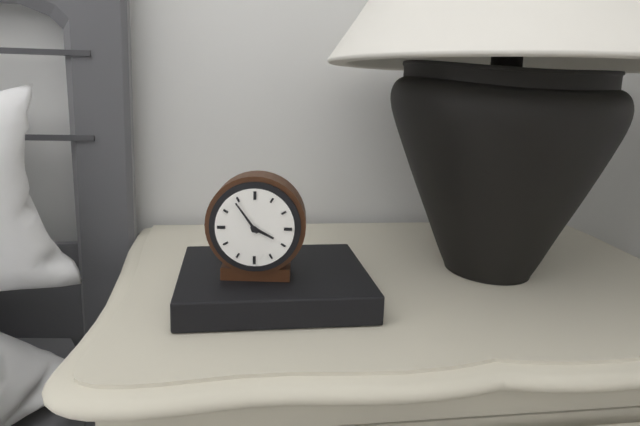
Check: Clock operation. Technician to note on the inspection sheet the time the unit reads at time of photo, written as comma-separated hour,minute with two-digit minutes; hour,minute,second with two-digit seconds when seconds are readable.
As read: 3,54
